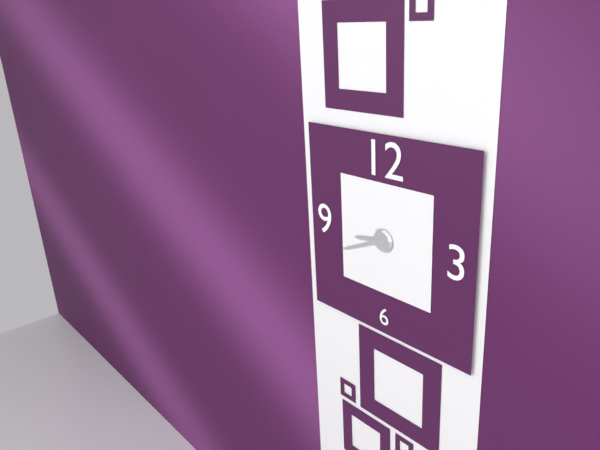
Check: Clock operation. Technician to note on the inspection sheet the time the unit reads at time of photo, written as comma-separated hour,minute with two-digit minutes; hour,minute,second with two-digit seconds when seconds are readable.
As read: 8,41
